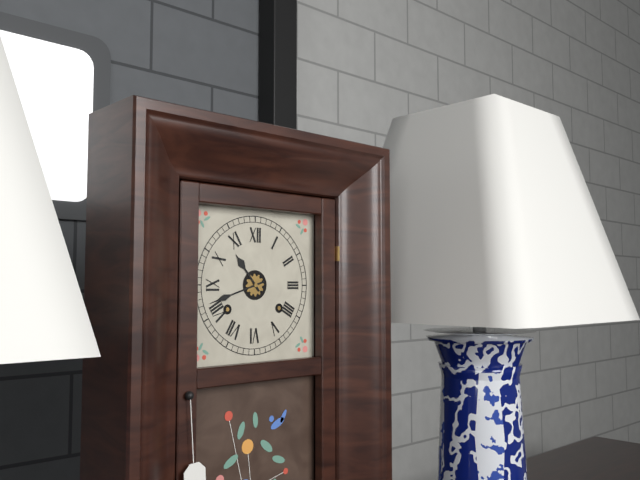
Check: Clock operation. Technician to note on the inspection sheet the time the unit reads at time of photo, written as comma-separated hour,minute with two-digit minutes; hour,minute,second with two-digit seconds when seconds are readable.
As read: 10,42
